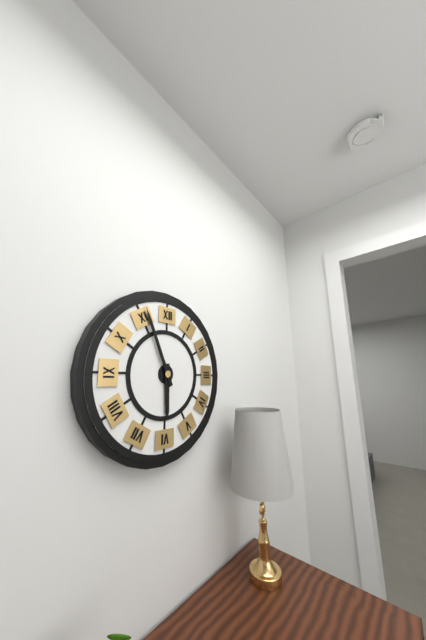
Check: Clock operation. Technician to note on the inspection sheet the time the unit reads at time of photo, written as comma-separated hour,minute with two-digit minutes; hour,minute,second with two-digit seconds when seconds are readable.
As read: 5,56
